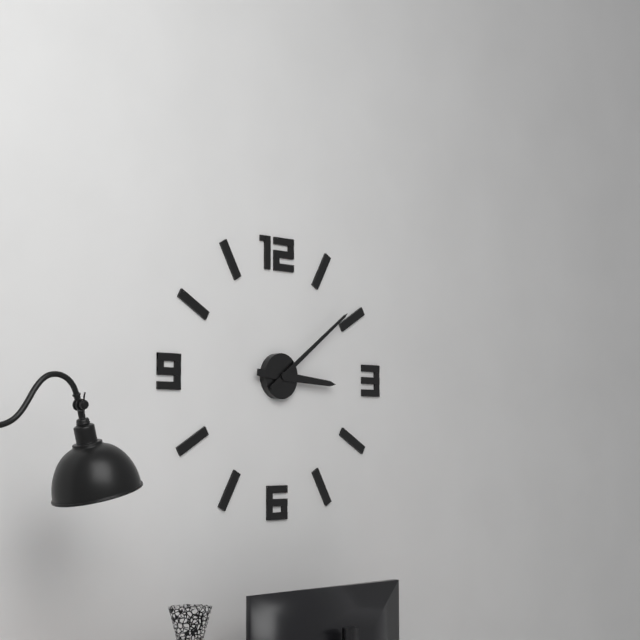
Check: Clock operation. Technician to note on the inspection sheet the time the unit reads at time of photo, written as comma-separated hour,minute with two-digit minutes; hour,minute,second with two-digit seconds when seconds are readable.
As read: 3,09
